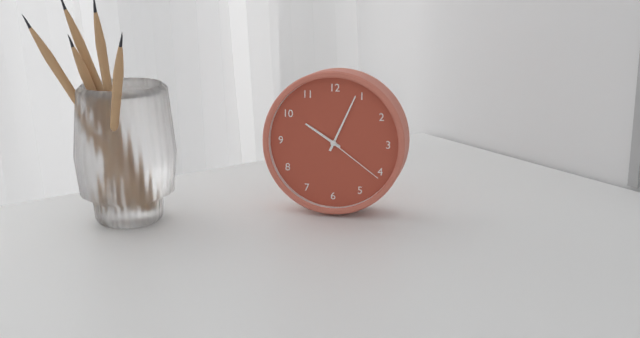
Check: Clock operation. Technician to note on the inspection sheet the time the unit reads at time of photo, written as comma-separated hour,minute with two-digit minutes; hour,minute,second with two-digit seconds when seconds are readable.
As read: 10,04,21
